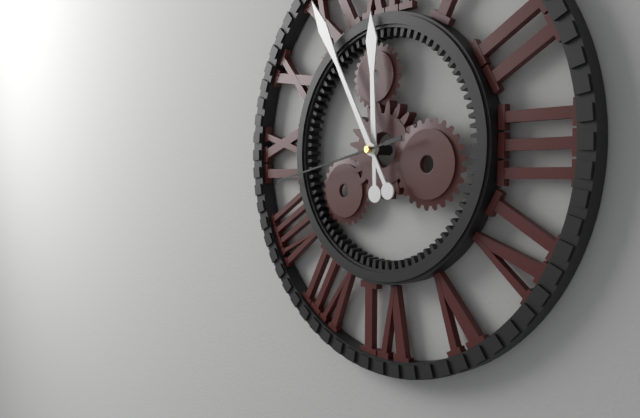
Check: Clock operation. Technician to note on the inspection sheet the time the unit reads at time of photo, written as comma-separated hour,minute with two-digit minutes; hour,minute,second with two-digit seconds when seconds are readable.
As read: 11,55,43
